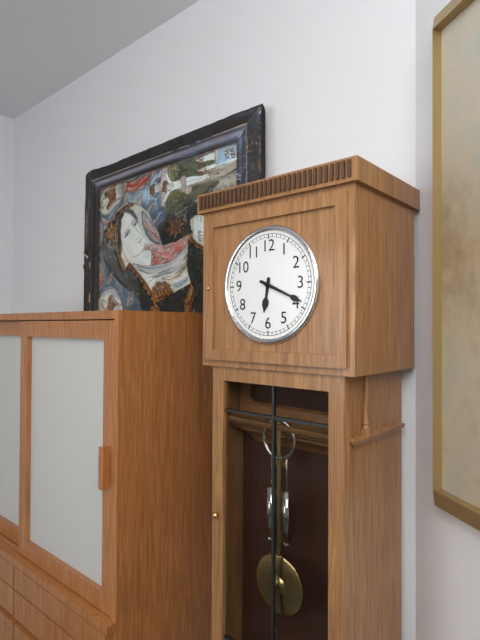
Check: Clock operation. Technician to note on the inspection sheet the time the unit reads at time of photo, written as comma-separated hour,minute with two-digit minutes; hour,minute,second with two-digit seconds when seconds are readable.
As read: 6,19
